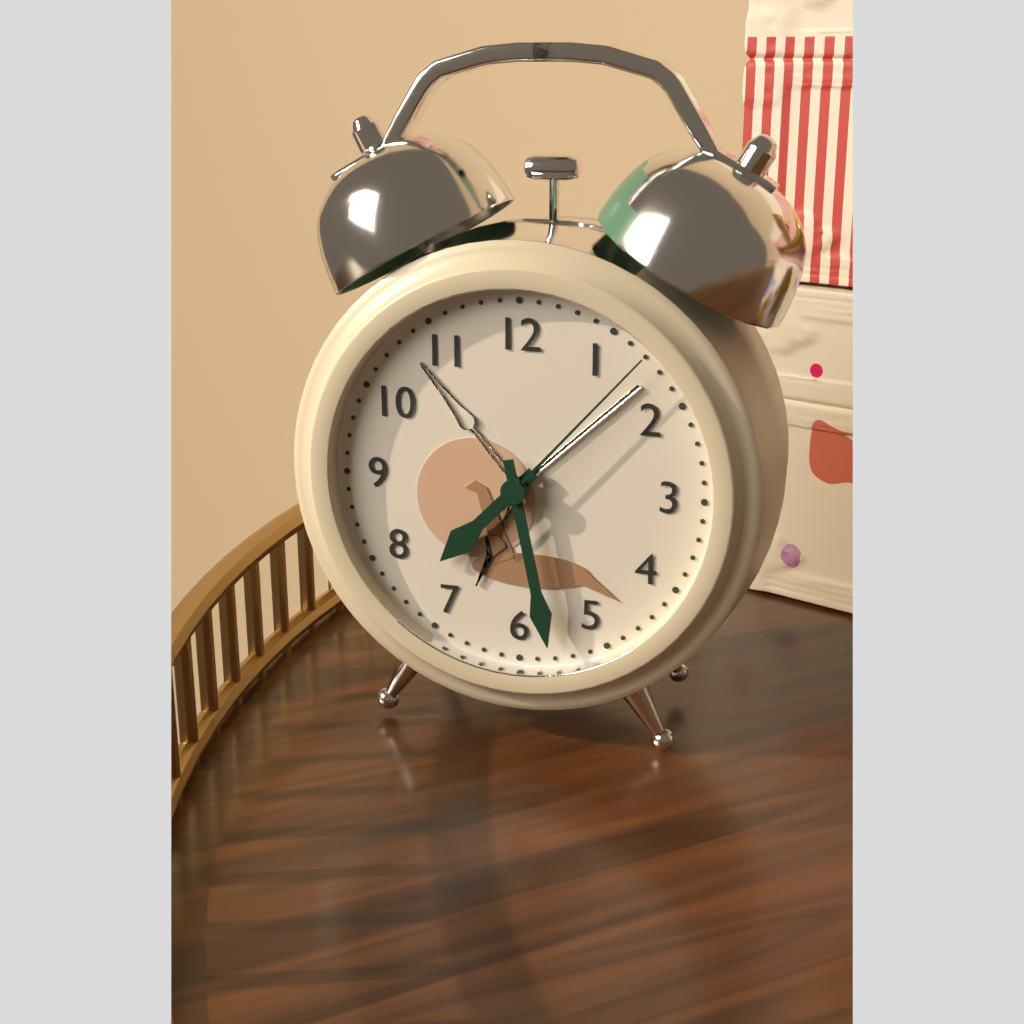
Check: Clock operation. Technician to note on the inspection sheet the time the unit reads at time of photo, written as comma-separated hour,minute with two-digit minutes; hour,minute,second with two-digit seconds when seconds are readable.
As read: 7,28,07
